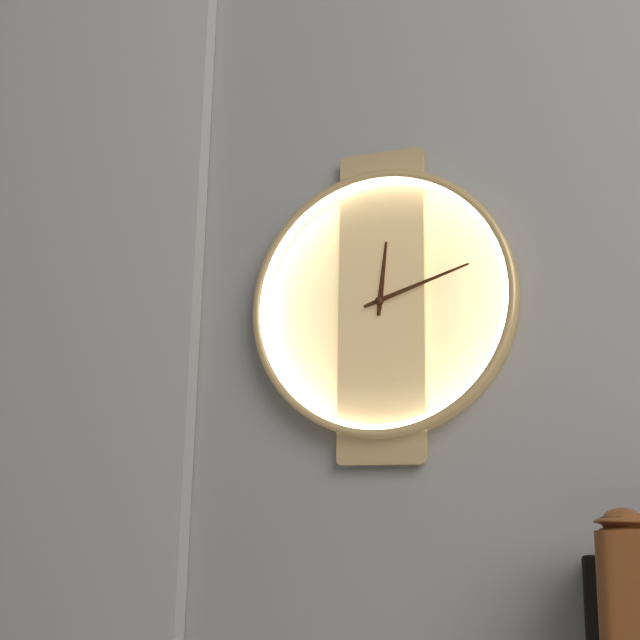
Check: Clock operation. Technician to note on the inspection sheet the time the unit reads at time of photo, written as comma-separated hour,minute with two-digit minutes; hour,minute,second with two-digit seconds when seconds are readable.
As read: 12,12
